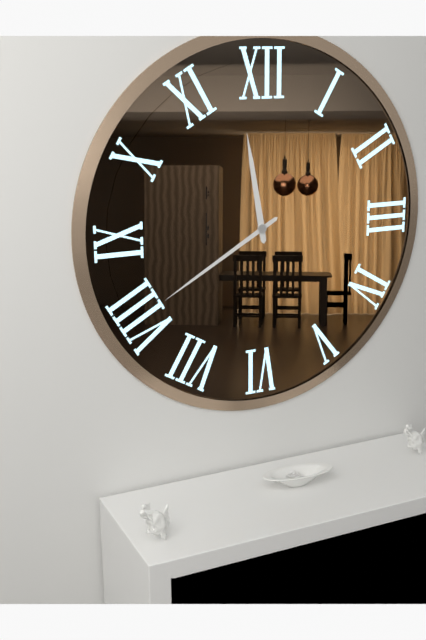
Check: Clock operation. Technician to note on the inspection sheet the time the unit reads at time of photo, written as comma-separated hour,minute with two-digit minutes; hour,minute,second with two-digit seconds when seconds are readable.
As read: 11,40
